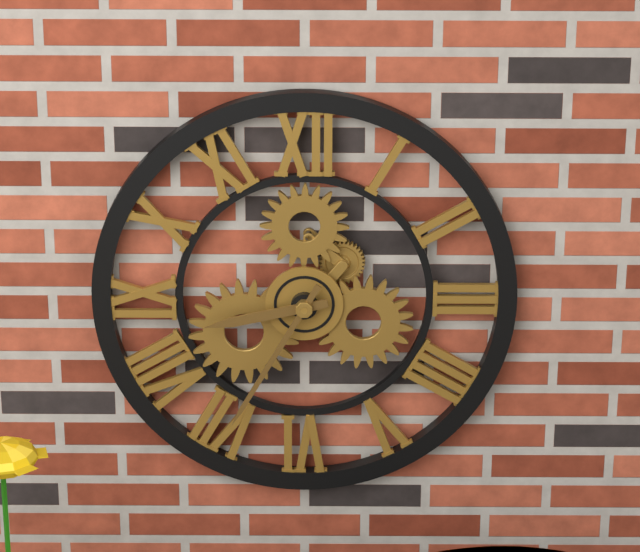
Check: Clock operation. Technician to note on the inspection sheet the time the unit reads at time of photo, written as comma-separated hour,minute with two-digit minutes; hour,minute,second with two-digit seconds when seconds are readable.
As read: 8,35
